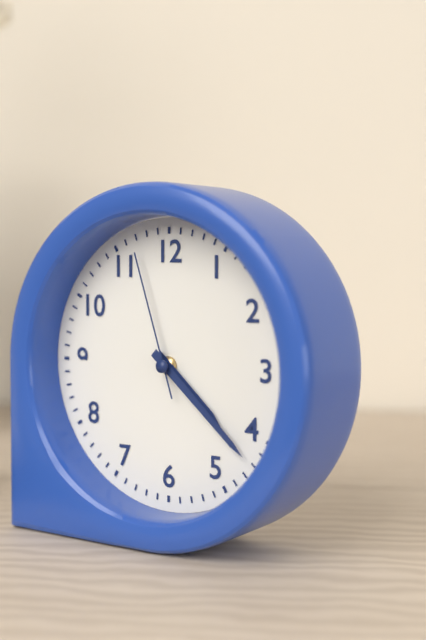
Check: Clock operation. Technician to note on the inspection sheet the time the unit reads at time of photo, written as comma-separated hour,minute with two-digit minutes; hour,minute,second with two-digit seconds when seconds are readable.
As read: 4,22,57
